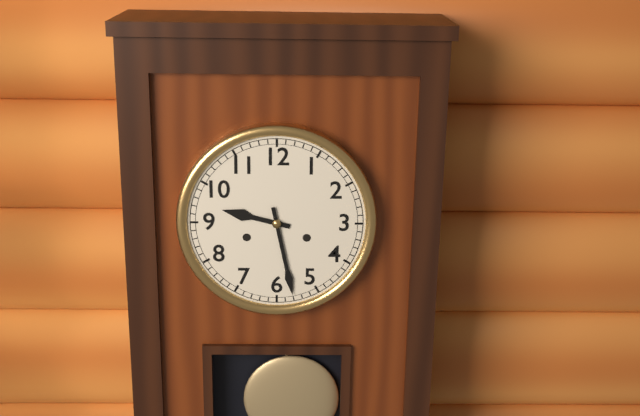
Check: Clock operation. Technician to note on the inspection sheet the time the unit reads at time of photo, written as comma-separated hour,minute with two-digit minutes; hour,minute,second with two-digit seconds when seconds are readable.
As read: 9,28
